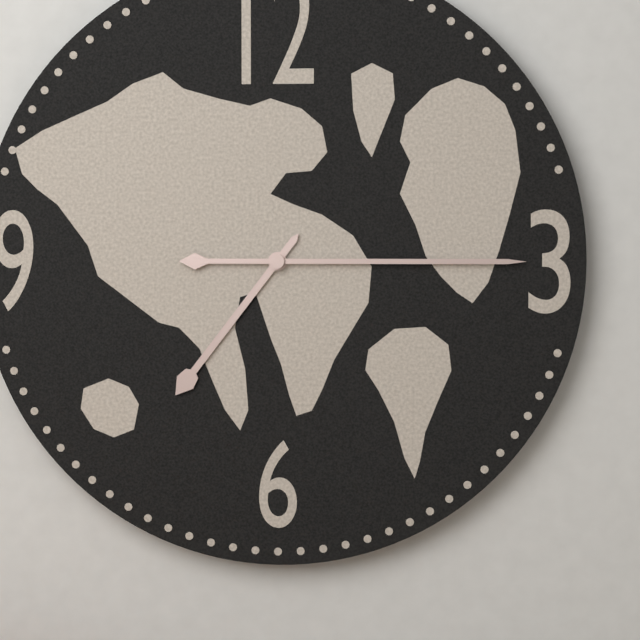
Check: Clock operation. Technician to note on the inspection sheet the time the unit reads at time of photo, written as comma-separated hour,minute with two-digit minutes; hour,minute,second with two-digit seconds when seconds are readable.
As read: 7,15
